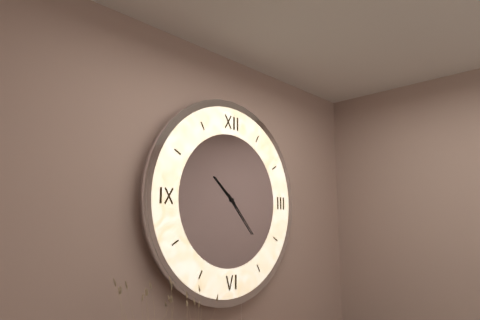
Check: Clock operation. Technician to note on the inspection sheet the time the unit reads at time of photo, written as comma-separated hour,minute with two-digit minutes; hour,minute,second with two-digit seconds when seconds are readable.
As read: 10,23
